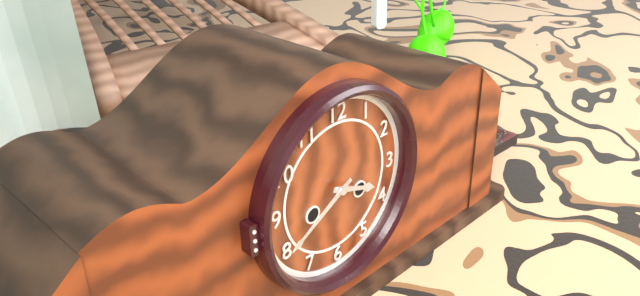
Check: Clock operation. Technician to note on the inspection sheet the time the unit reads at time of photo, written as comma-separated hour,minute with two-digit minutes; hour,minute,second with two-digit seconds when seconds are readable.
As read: 3,40
